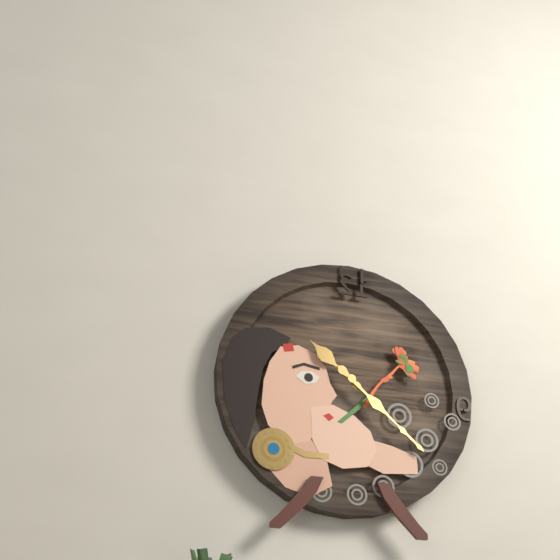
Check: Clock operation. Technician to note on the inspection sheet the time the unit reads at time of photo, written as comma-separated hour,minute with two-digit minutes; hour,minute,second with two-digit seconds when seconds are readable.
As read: 10,22
